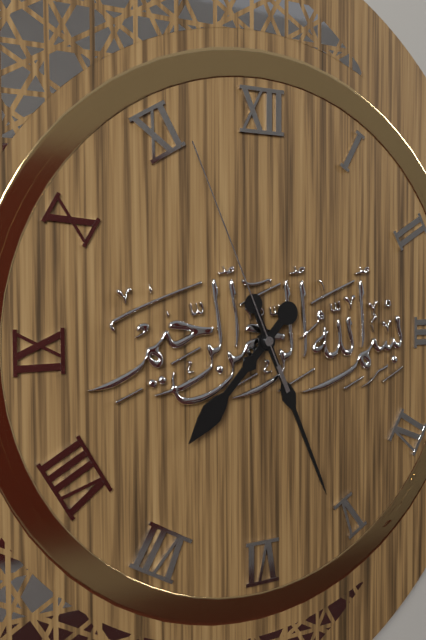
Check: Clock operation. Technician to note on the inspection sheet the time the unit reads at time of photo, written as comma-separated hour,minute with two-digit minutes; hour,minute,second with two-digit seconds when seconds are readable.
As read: 7,26,56
